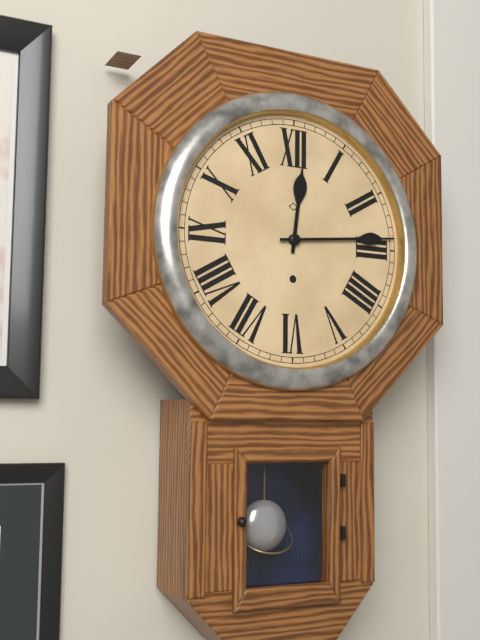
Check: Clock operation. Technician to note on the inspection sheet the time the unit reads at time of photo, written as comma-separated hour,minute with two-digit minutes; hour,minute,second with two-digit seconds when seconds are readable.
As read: 12,14
